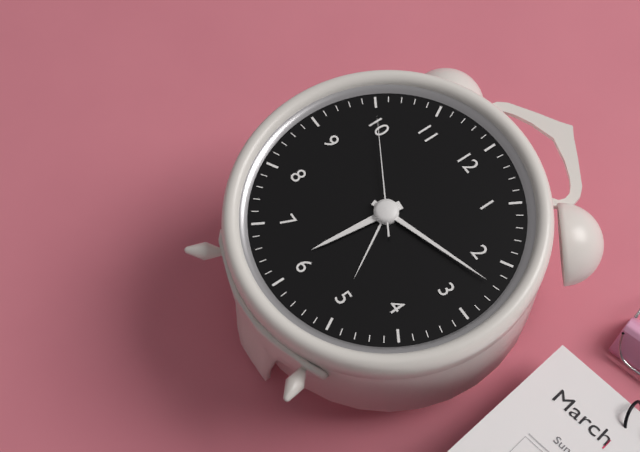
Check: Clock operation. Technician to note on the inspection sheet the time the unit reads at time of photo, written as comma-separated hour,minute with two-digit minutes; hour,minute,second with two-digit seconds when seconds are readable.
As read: 6,12,50
